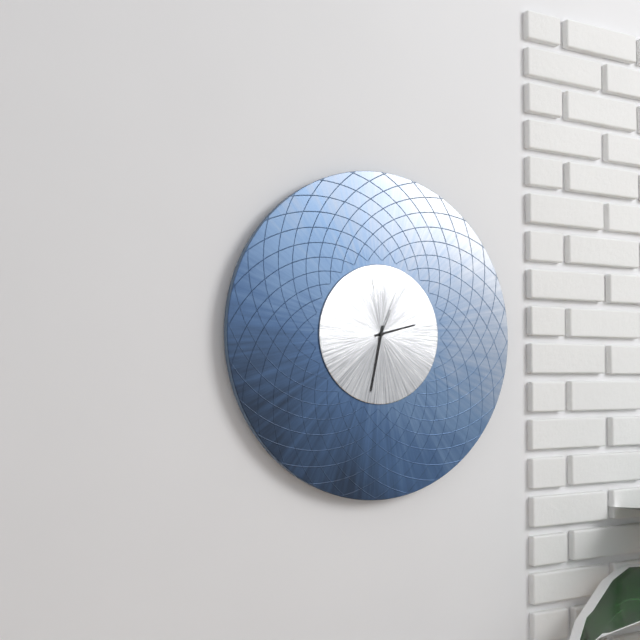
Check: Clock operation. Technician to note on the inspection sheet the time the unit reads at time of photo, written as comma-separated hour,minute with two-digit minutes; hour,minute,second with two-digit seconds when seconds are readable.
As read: 2,32
